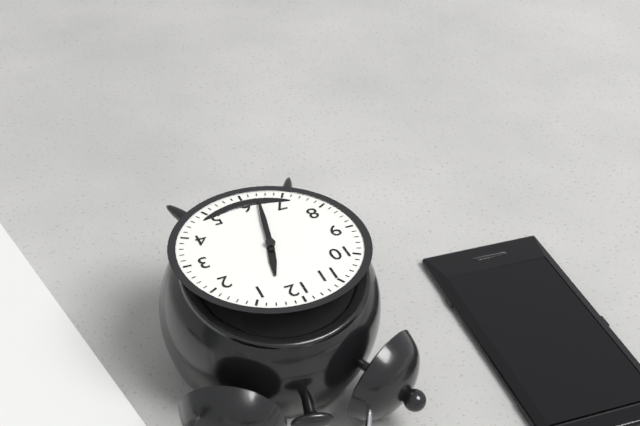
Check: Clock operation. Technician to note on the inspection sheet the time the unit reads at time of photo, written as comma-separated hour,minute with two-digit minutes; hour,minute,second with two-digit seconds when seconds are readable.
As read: 12,32
